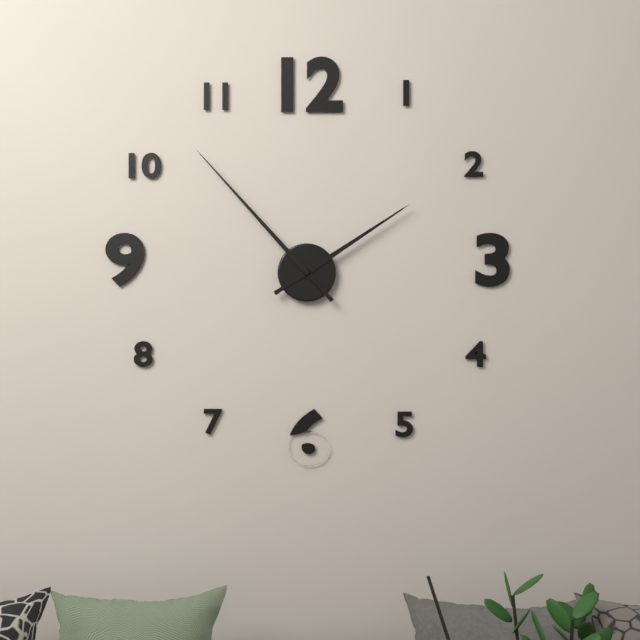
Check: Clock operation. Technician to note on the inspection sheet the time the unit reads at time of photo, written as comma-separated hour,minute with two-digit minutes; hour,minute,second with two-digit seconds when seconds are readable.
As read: 1,53
